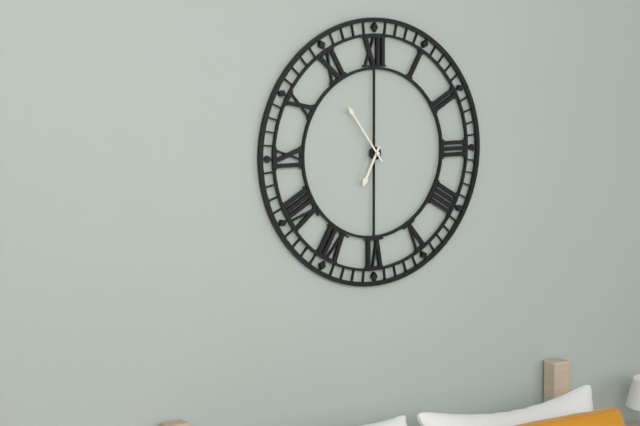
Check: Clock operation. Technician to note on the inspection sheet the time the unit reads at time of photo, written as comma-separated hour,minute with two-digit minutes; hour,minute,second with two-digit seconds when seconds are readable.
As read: 6,54
